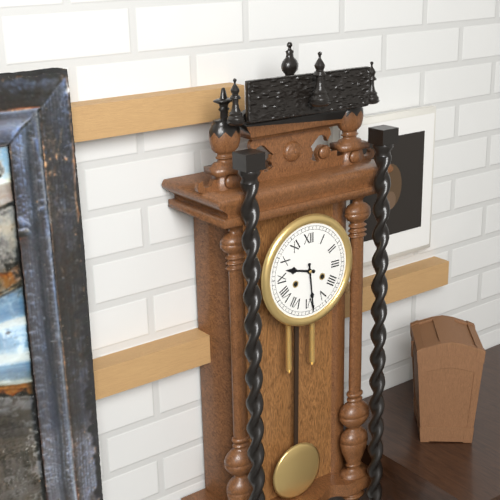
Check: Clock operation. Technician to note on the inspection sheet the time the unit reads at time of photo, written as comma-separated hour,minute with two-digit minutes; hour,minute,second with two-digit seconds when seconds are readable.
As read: 9,29
